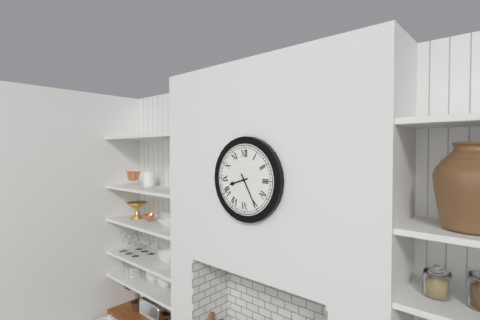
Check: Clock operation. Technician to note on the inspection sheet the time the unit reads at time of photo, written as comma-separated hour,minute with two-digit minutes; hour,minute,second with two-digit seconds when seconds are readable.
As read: 8,25
